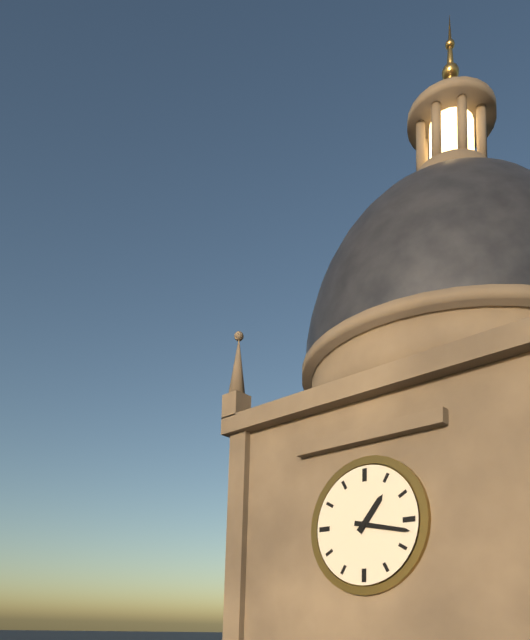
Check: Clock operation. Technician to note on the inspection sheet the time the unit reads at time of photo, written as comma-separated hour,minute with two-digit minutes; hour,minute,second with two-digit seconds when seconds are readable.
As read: 1,17
